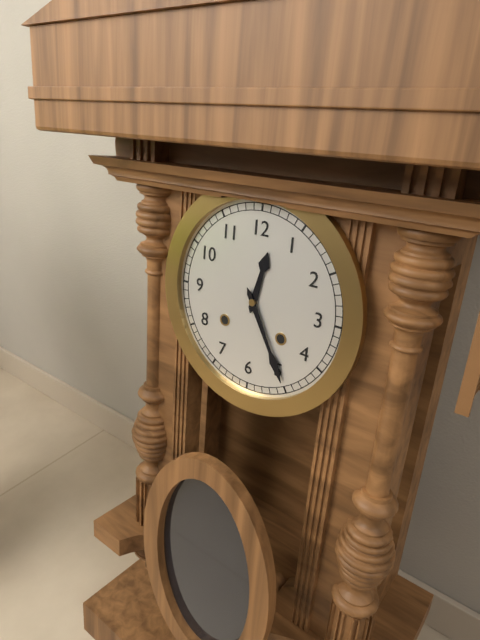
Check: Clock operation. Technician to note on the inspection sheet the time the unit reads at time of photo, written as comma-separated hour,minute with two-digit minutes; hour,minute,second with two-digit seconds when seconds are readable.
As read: 12,25
